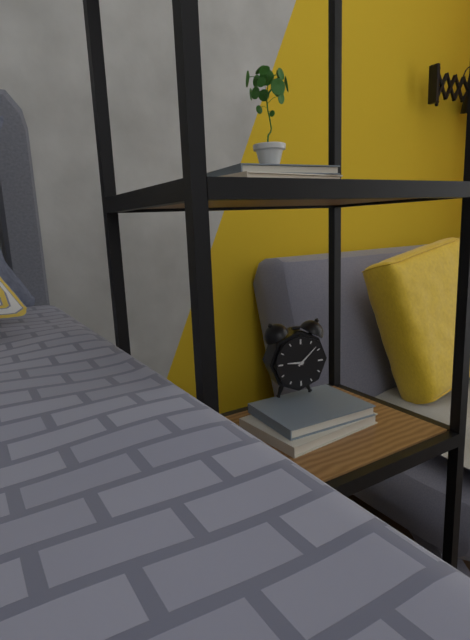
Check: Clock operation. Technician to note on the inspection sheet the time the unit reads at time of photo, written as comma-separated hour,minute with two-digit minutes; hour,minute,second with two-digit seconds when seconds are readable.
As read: 9,08
